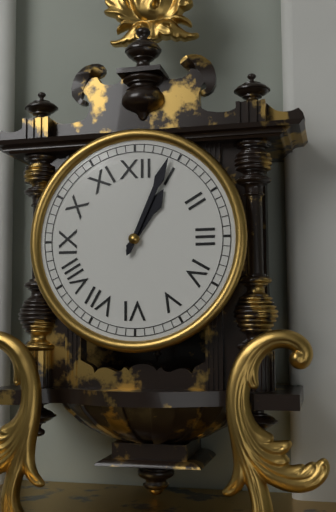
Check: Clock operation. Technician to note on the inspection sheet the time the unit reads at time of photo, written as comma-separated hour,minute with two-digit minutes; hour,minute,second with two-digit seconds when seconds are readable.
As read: 1,04
